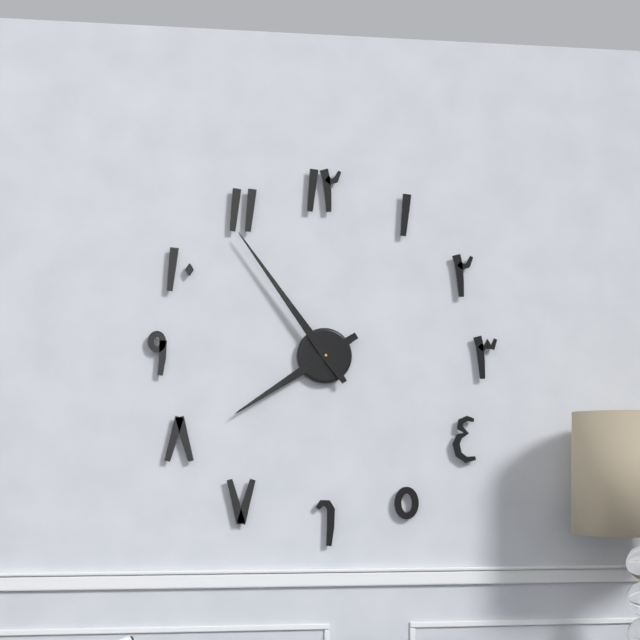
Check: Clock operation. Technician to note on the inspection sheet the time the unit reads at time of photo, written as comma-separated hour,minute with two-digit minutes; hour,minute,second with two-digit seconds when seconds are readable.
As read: 7,54
